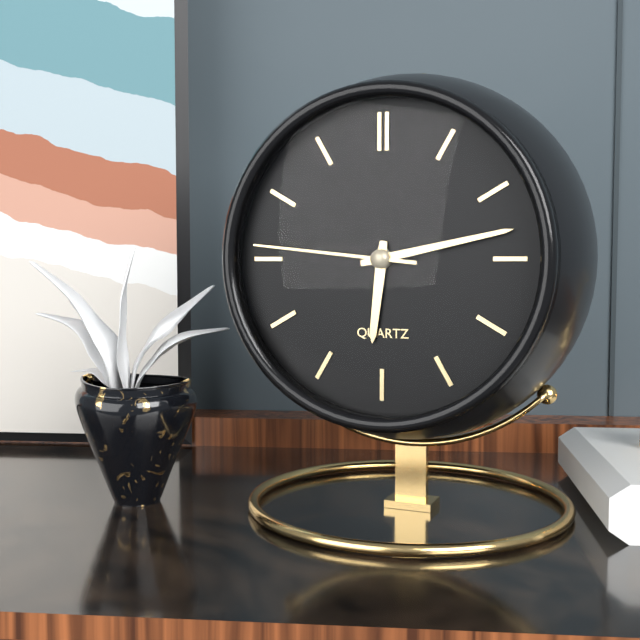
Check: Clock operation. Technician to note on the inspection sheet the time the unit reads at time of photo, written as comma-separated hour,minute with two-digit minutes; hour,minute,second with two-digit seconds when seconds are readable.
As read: 6,13,46
